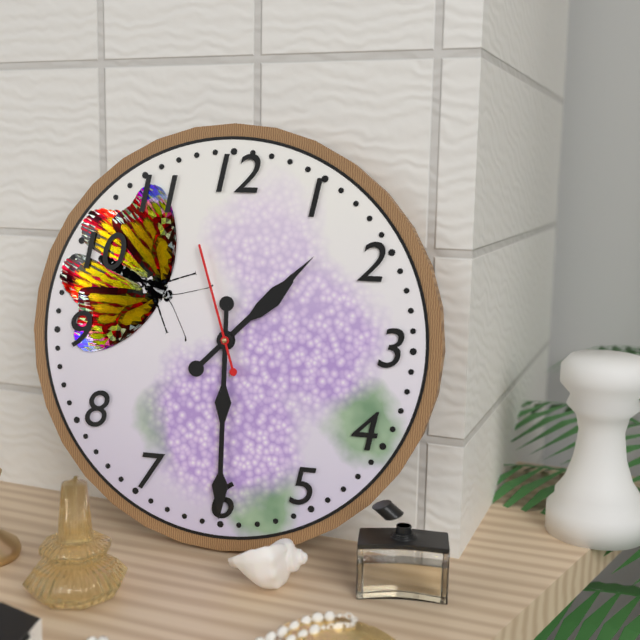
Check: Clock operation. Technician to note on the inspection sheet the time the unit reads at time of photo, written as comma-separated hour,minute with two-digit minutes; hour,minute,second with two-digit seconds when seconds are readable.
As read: 1,30,57
